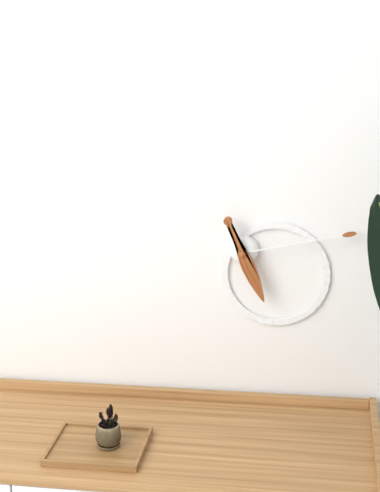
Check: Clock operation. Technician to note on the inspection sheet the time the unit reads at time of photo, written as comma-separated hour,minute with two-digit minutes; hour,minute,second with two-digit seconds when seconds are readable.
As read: 5,13
